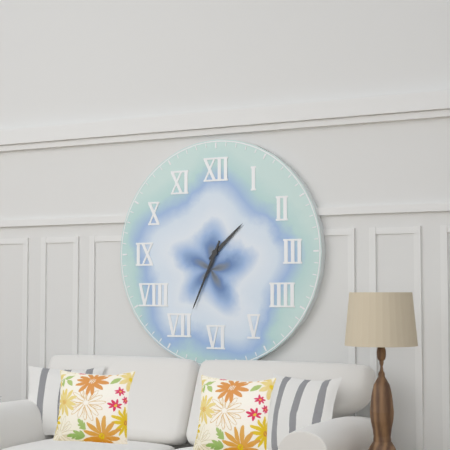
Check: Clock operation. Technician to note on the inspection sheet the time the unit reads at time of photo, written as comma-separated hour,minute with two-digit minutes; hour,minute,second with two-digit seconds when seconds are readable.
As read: 1,34
